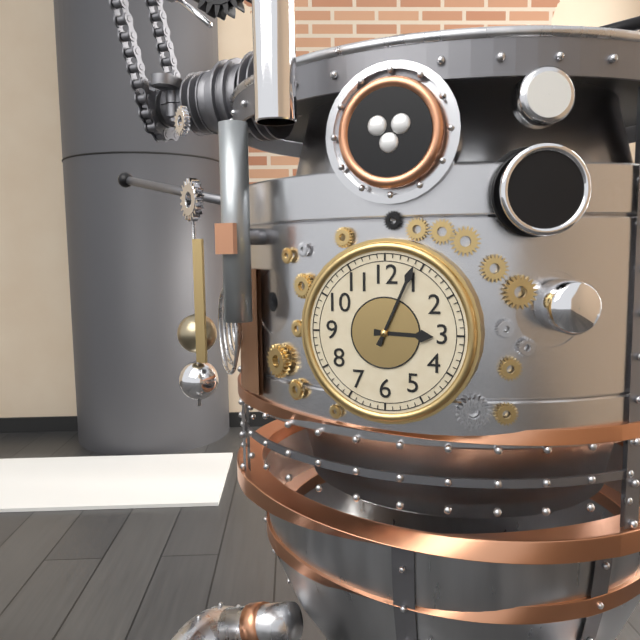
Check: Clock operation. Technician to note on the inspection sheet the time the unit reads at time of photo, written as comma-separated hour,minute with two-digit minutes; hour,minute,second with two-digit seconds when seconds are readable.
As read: 3,04
